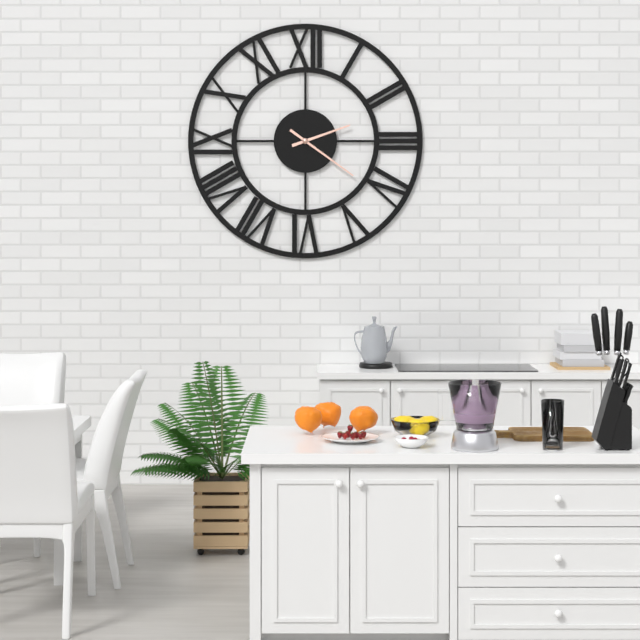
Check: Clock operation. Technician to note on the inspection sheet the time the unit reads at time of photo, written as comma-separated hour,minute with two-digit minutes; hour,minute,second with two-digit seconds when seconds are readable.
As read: 2,21
